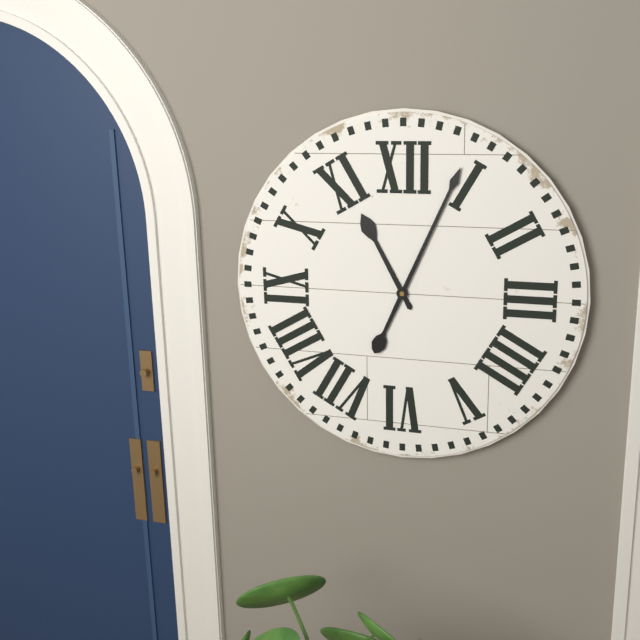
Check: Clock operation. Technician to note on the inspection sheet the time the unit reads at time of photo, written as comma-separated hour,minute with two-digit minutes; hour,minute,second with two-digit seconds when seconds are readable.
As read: 11,04
